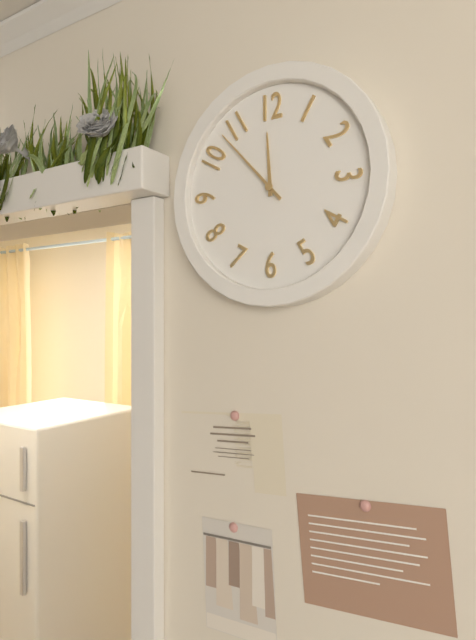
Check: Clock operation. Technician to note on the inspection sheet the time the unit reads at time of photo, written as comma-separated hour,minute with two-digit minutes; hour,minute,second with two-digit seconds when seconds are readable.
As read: 11,53
